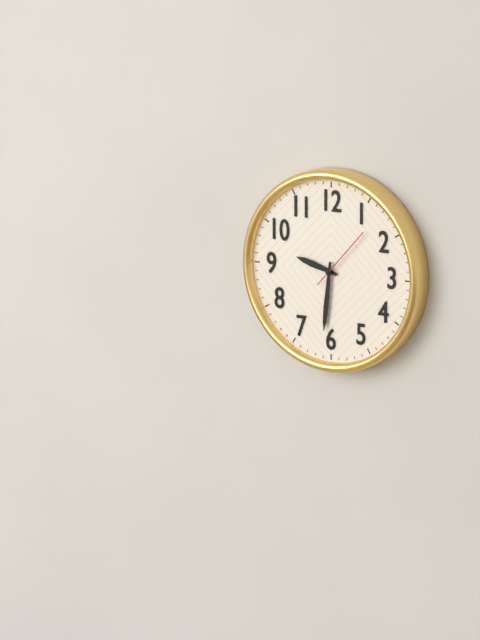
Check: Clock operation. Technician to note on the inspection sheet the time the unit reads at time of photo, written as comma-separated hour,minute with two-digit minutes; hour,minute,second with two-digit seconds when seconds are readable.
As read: 9,31,07
